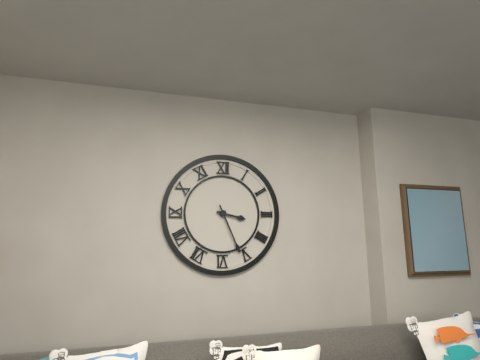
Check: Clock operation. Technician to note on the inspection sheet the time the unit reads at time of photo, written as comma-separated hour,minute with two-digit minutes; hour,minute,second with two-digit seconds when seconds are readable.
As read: 3,26
